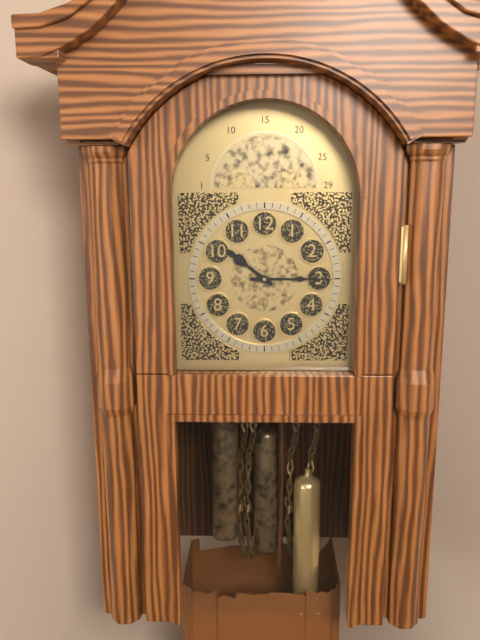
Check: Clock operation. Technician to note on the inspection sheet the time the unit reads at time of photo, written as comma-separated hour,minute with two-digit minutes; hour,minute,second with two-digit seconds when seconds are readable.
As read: 10,15
